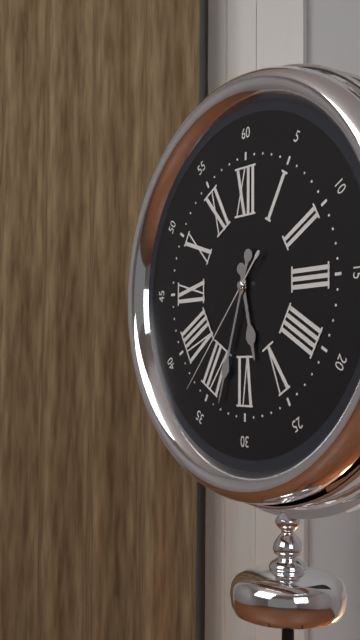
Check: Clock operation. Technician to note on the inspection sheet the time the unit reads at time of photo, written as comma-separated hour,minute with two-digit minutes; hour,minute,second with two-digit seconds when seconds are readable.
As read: 5,33,37
